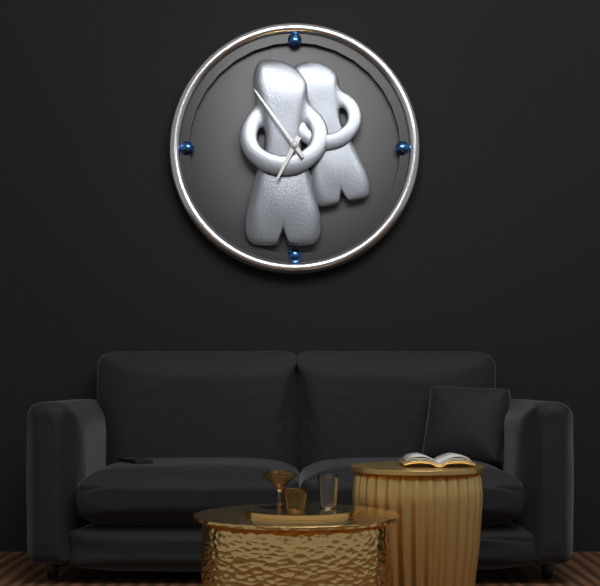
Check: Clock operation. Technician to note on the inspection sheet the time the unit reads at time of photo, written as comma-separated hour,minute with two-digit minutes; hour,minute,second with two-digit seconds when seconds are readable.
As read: 6,54
